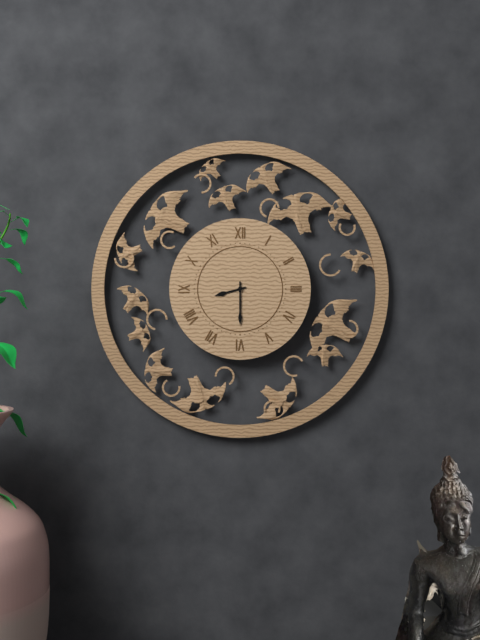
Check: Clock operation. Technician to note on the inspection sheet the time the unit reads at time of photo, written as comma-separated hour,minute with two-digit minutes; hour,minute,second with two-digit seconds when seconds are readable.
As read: 8,30
